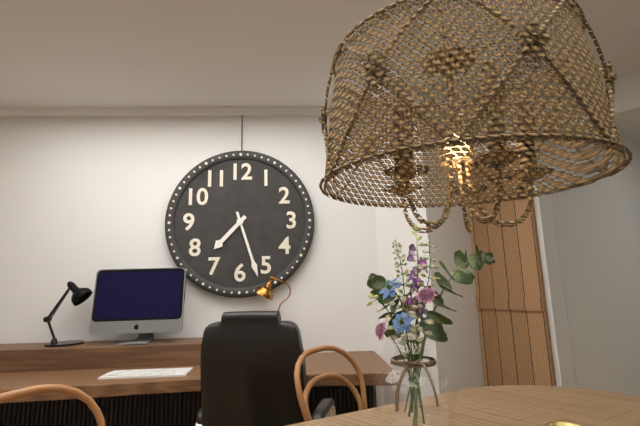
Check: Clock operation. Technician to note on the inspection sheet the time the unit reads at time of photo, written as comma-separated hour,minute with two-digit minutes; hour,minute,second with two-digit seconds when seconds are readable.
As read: 7,27
